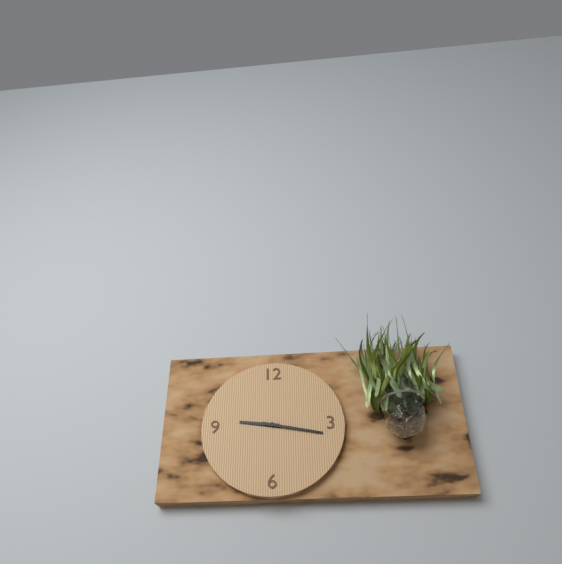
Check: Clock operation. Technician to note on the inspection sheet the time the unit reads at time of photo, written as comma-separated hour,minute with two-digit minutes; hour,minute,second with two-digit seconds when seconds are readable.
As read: 9,17
